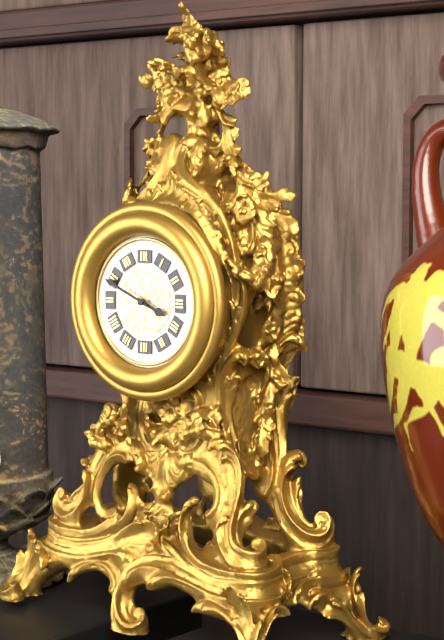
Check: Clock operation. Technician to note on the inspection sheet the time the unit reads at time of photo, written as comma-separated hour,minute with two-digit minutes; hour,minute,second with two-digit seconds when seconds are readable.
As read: 3,49
